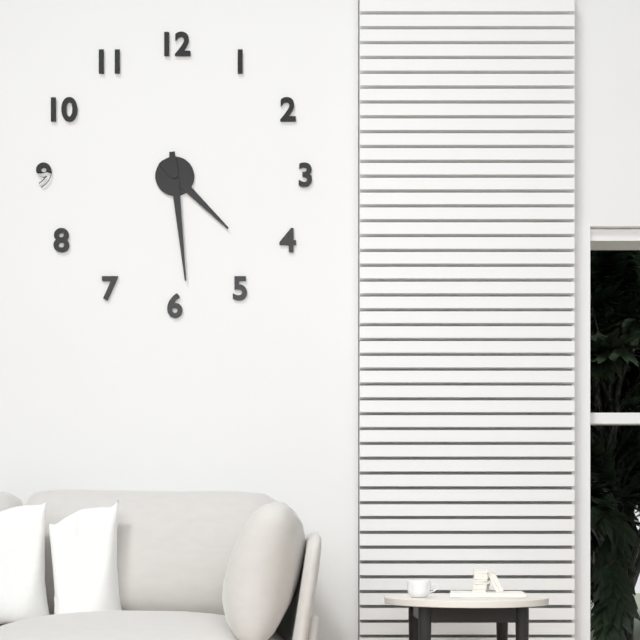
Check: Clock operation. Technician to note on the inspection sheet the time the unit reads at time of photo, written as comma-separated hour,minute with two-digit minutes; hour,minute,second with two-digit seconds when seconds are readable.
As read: 4,29
